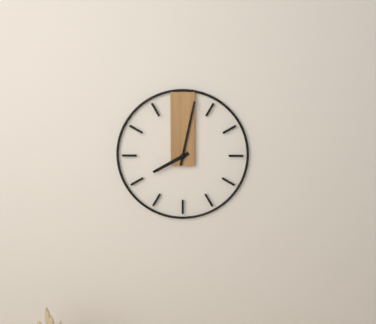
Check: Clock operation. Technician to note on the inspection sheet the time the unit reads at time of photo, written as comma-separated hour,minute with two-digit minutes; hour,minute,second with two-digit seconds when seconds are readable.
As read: 8,02
